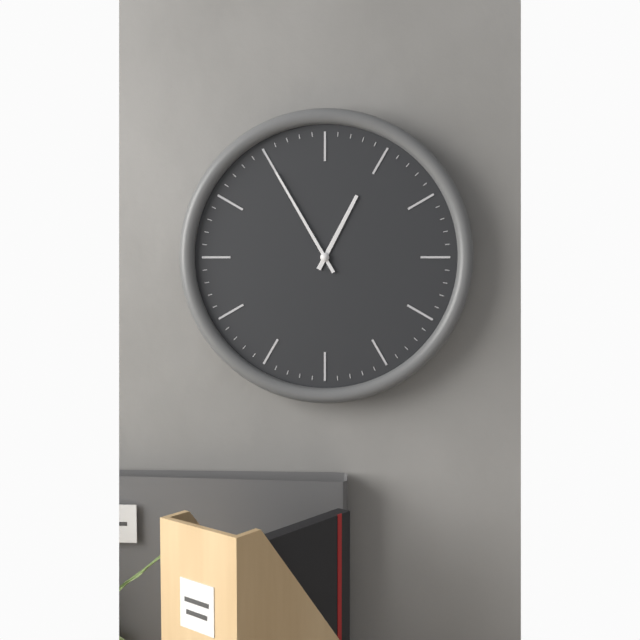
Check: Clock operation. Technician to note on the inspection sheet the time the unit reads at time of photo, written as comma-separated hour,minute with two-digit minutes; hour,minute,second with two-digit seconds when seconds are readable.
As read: 12,55
